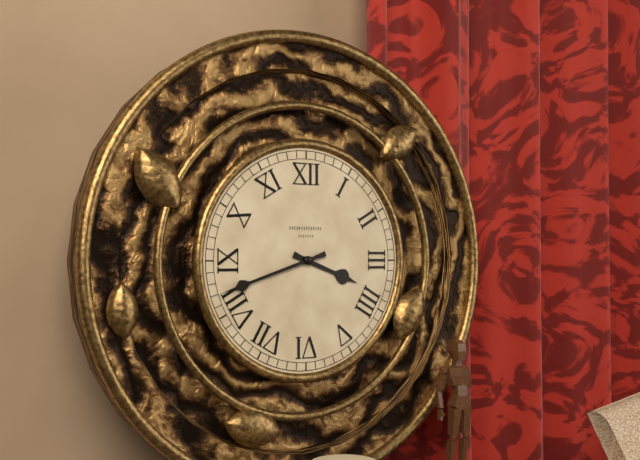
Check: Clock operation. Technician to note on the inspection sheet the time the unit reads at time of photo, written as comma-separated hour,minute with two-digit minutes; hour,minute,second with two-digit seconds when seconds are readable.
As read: 3,42
